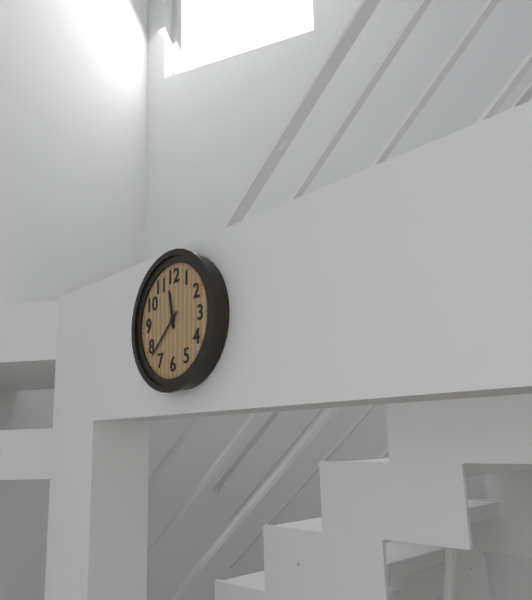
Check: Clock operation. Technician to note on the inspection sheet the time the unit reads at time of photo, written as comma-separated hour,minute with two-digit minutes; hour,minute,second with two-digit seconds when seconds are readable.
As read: 11,38
